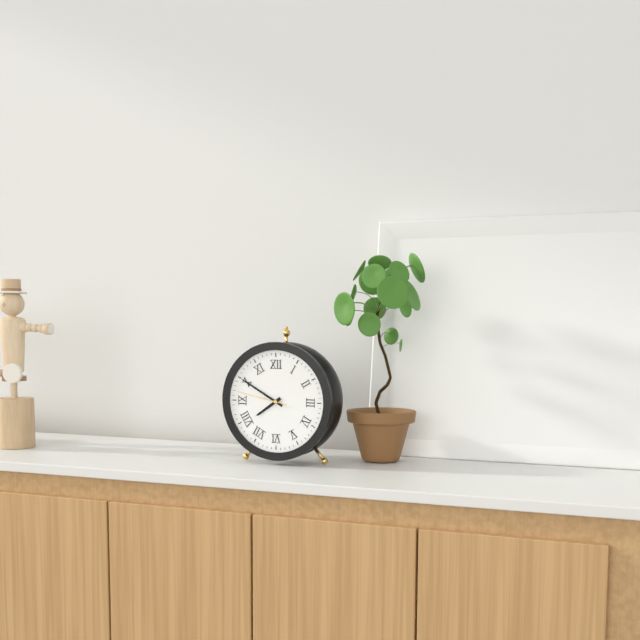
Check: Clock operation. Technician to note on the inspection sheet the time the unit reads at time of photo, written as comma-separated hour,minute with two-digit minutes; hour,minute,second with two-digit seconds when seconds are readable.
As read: 7,50,47
